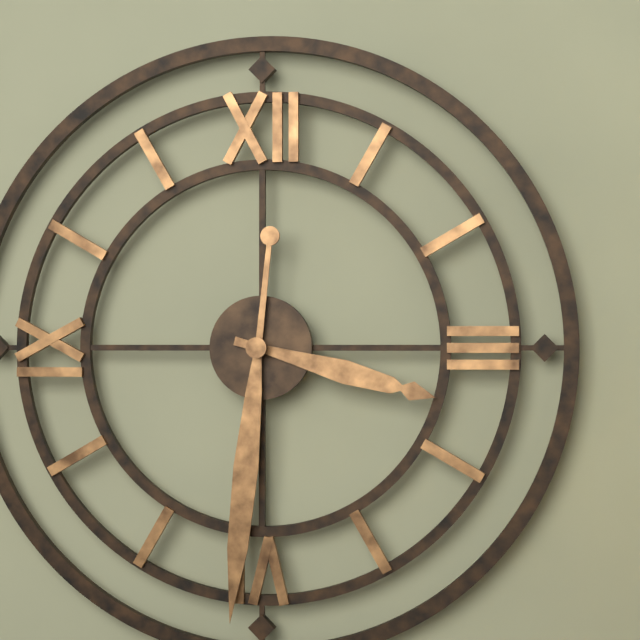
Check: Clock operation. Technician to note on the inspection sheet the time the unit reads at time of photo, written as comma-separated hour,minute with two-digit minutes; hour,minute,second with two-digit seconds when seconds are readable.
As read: 3,31
